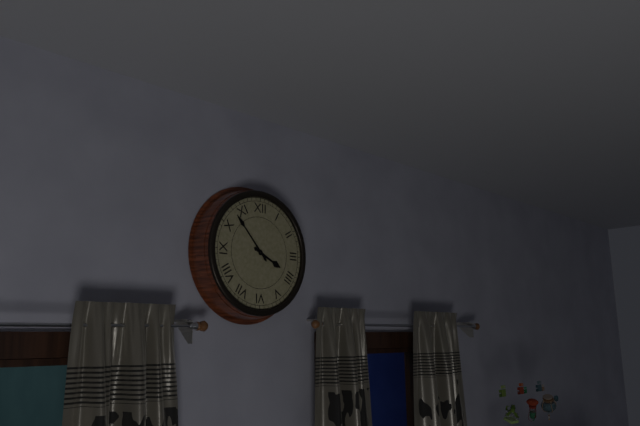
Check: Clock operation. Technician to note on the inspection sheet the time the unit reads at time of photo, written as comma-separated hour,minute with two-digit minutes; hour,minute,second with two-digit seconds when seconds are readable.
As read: 3,53
